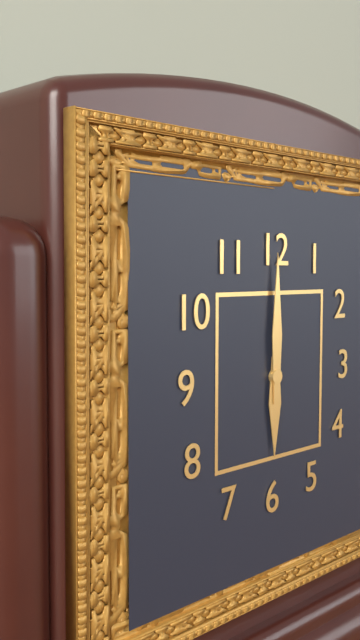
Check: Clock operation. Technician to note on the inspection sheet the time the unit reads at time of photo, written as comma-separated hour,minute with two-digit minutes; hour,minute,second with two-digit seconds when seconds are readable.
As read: 6,00
